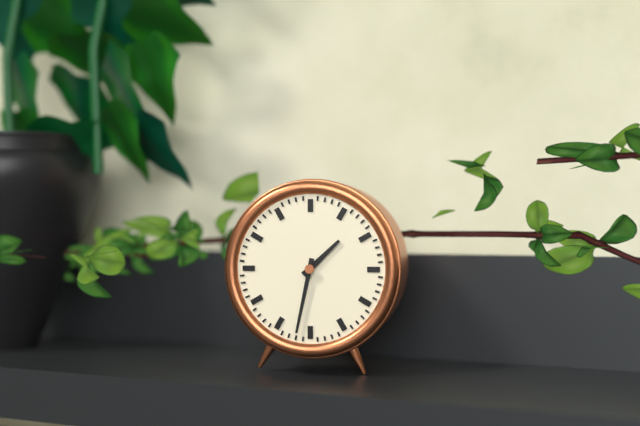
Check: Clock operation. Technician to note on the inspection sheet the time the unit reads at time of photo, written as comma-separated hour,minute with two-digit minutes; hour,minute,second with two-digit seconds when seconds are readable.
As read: 1,32
